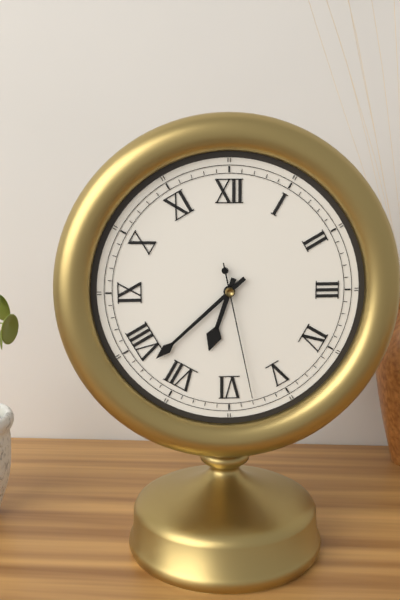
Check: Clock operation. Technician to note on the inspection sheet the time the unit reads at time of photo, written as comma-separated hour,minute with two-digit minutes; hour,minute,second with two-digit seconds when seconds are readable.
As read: 6,38,28
